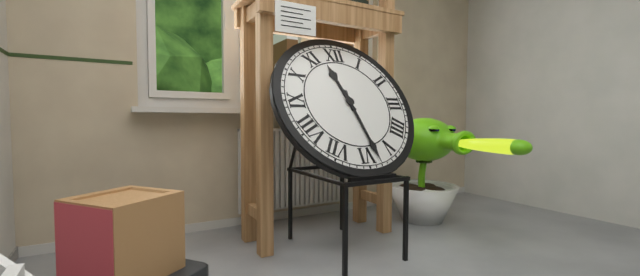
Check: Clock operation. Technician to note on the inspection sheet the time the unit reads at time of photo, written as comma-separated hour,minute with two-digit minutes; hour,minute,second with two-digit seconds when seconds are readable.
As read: 11,28
